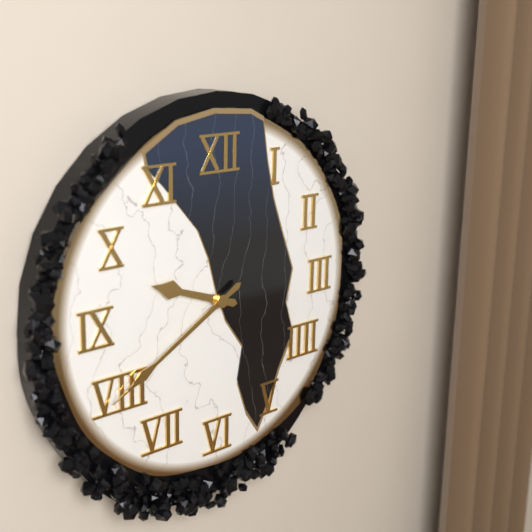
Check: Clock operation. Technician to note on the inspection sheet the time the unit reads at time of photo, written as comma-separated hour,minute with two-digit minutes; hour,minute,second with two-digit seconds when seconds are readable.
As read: 9,40
